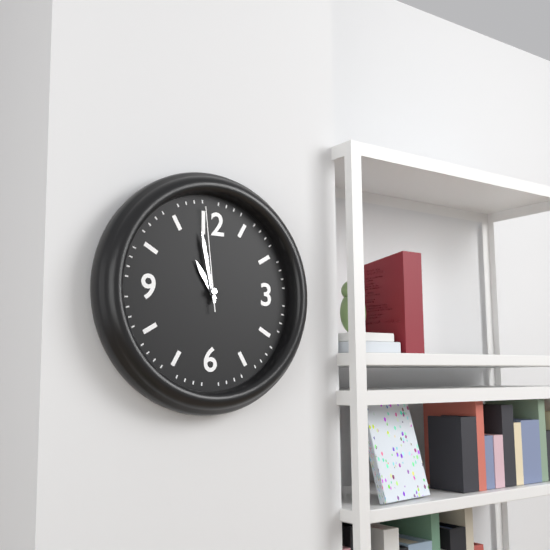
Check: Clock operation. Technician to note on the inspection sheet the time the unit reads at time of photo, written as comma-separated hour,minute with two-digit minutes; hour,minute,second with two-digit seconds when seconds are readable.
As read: 10,58,59
